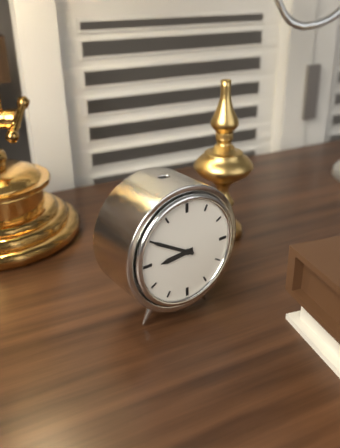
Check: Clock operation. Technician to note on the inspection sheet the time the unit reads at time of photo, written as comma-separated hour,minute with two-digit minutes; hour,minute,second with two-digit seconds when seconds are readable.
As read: 8,50
